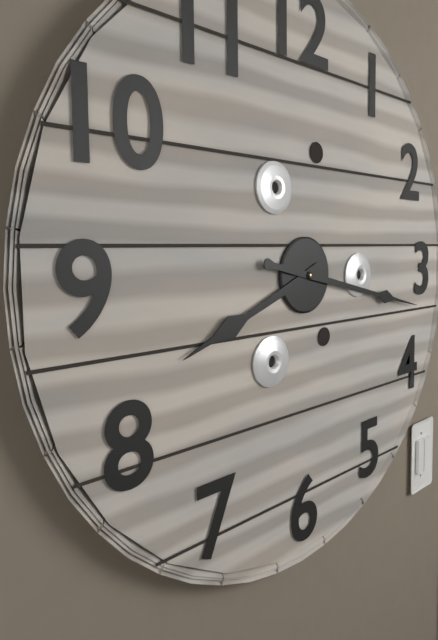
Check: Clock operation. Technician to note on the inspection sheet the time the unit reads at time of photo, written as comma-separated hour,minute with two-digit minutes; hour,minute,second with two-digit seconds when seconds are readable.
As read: 8,17
